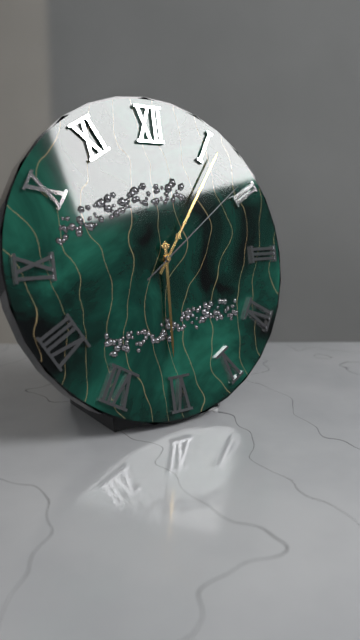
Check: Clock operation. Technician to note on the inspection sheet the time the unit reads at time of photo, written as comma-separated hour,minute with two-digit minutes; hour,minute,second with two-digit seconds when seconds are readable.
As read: 6,06,09
